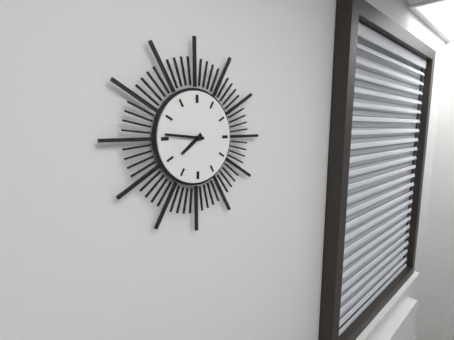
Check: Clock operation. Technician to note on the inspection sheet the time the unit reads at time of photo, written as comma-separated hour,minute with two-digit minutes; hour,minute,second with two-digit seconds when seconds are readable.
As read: 7,46
